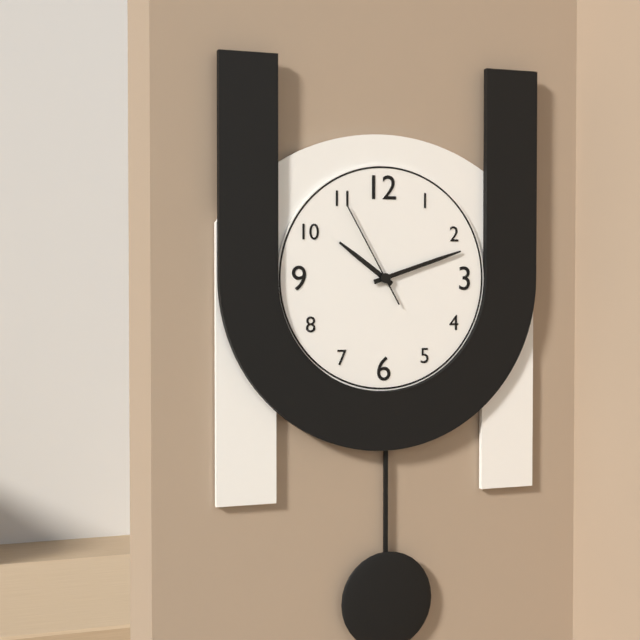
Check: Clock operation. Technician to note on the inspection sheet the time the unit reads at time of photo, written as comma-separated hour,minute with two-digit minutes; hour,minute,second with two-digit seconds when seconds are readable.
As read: 10,12,55
